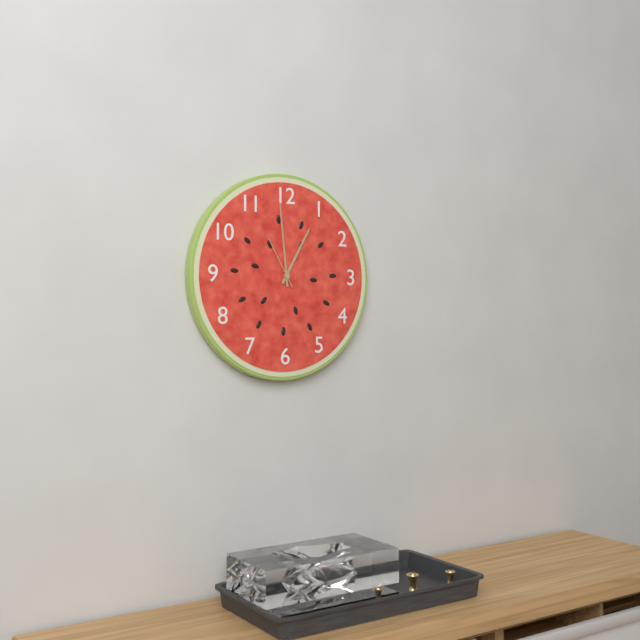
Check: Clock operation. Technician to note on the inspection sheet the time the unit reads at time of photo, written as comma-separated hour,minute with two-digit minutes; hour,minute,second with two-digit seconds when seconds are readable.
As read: 12,59,55
